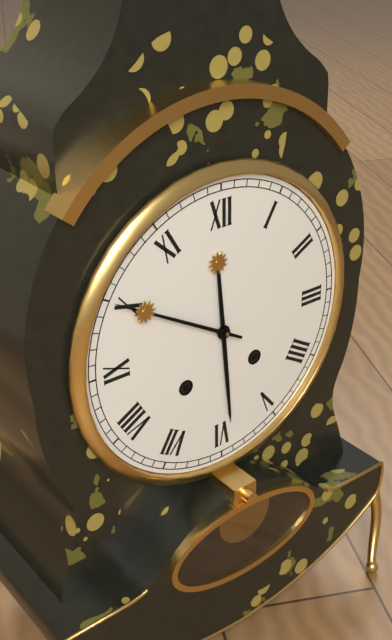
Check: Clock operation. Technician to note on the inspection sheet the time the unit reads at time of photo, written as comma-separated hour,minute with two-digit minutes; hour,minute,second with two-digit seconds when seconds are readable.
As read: 5,50
